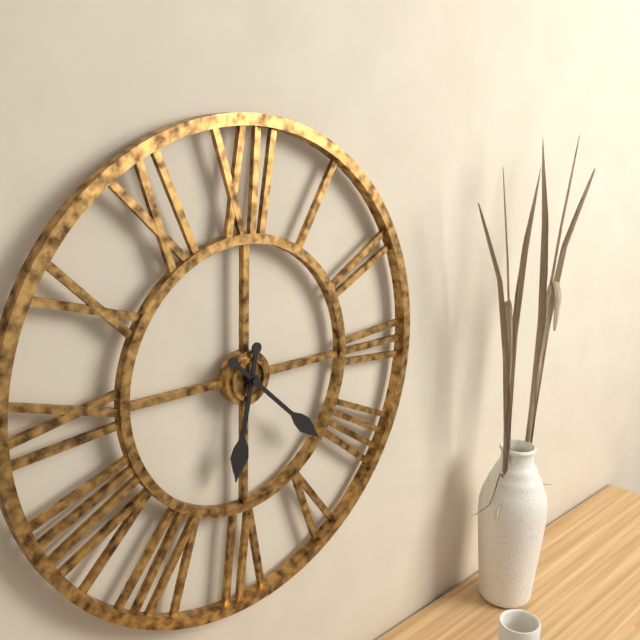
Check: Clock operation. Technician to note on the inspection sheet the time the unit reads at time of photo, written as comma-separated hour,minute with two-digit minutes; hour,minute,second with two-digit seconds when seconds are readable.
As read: 6,22
